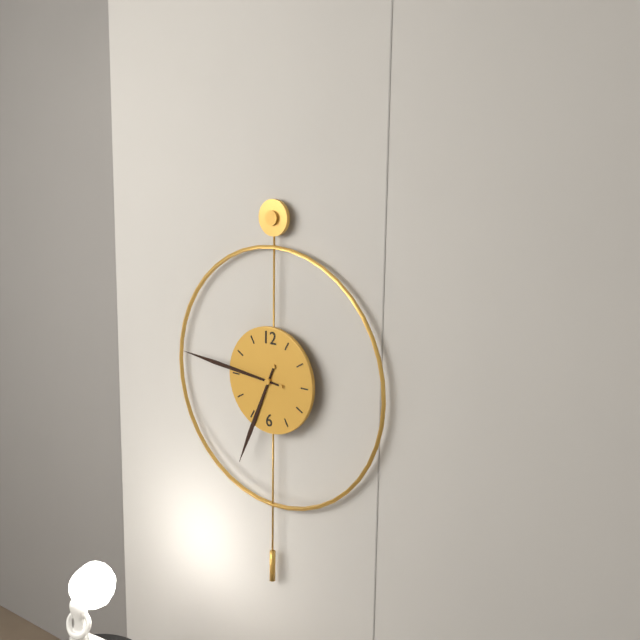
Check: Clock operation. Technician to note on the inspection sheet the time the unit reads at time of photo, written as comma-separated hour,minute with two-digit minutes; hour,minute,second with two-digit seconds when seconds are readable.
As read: 6,46
